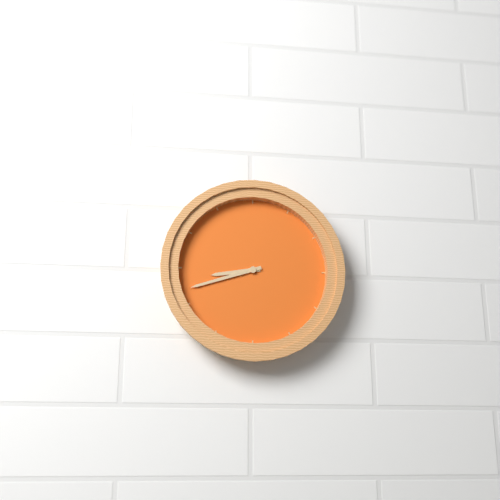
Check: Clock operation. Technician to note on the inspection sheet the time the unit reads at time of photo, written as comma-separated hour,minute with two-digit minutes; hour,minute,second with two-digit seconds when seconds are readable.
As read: 8,42
